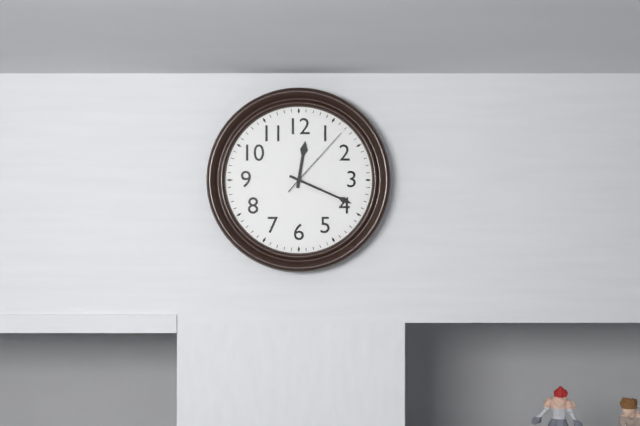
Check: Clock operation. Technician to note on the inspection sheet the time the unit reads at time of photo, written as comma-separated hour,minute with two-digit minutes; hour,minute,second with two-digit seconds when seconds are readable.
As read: 12,19,07
